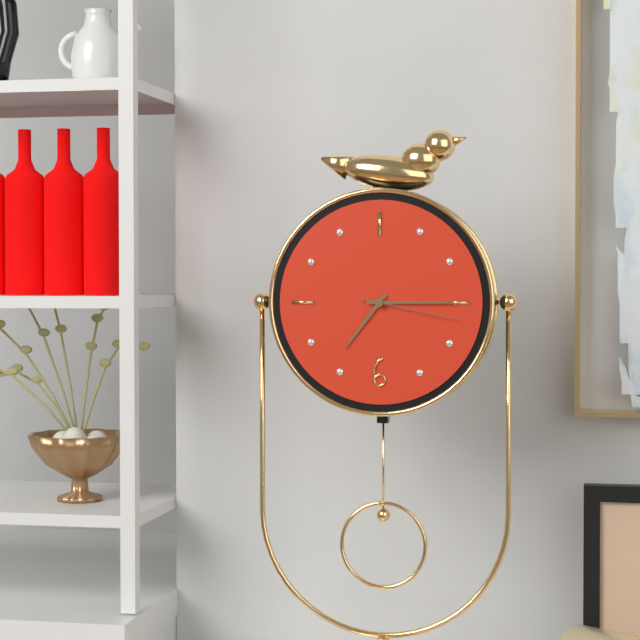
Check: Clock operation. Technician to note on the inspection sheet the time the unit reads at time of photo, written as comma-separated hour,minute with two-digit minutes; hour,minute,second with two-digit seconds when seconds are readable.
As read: 7,15,17
